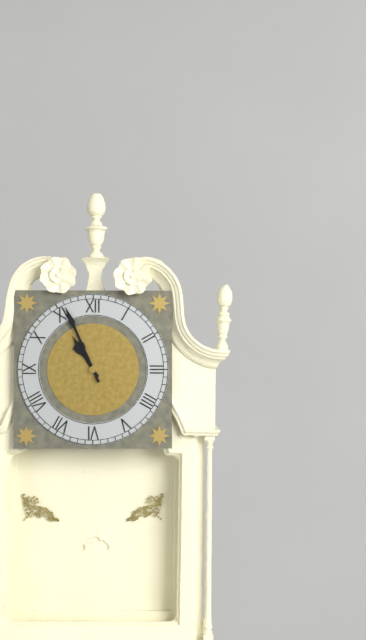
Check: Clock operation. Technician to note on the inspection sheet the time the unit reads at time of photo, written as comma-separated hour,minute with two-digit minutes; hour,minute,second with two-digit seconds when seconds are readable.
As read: 10,56
